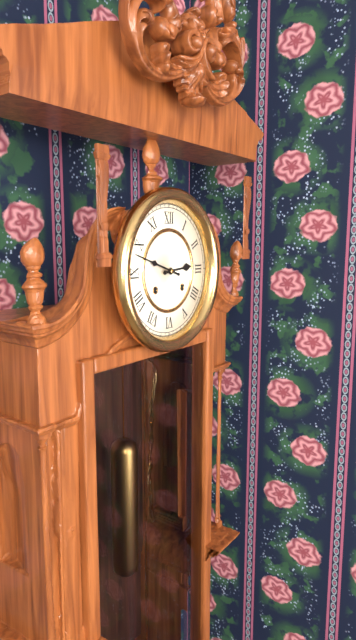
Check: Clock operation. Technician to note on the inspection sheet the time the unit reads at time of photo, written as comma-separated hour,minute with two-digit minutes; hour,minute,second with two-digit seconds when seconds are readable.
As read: 2,48
